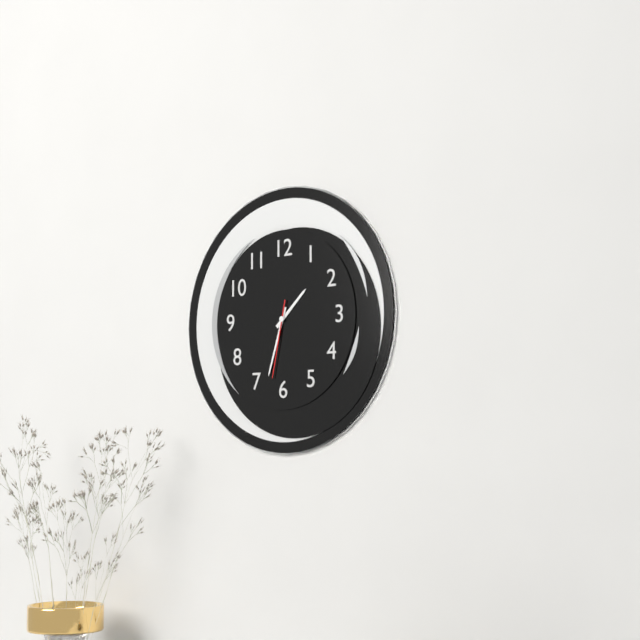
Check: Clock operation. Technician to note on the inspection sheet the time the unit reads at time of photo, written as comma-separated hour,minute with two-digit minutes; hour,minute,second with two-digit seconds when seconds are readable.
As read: 1,33,32
